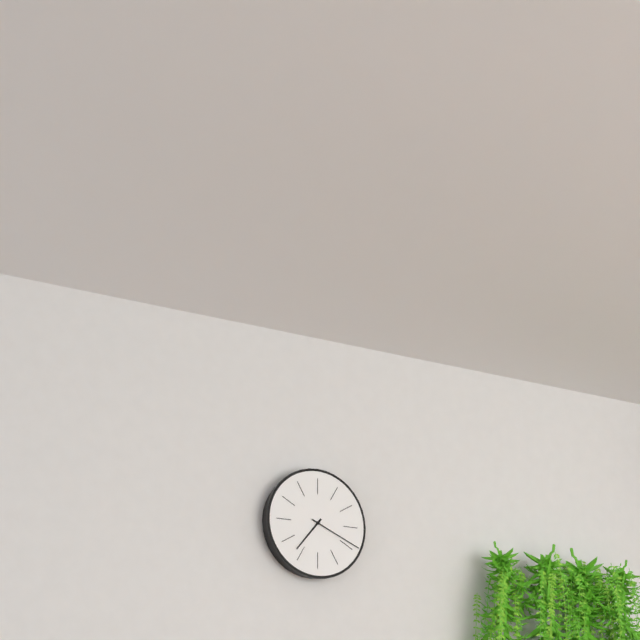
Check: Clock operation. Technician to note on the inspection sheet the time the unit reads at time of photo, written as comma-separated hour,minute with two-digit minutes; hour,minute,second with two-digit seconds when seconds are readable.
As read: 7,19
